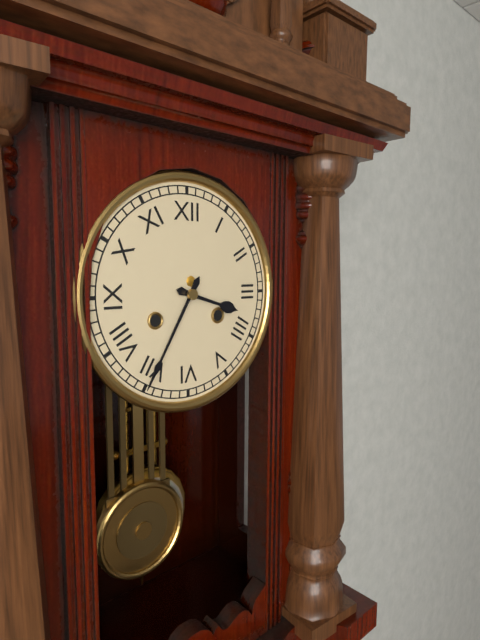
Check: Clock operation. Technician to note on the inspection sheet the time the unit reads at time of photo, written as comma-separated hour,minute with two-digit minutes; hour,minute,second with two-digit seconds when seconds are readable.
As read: 3,35
